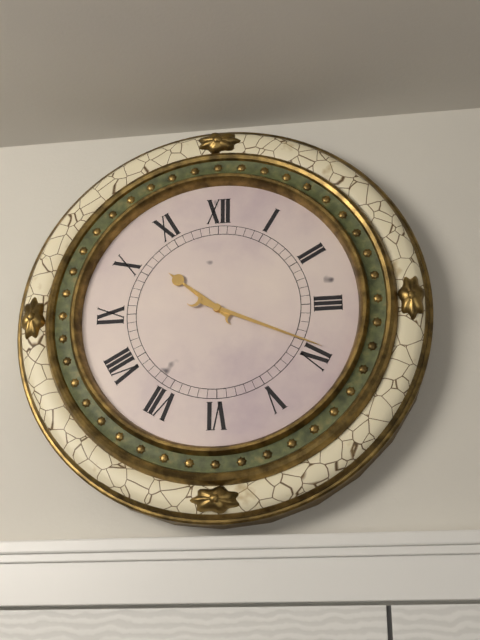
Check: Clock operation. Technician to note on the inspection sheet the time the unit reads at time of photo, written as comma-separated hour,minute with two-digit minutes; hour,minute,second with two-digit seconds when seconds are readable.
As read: 10,19
